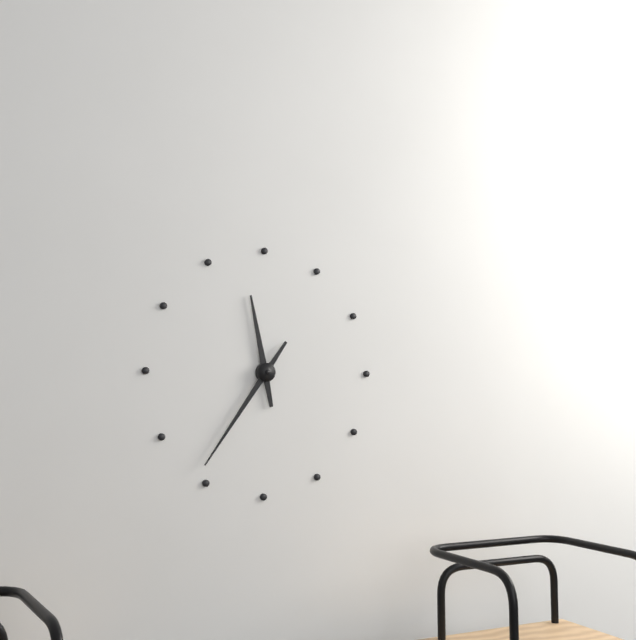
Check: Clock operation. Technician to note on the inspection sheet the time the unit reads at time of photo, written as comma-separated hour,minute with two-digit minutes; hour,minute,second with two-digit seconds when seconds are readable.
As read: 11,36
